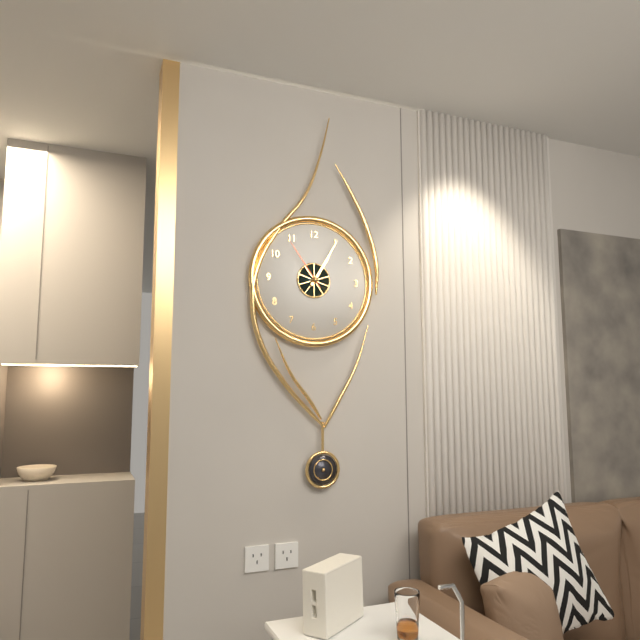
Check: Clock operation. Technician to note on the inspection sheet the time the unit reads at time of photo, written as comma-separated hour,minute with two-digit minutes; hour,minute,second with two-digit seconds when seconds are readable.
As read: 1,05,54
